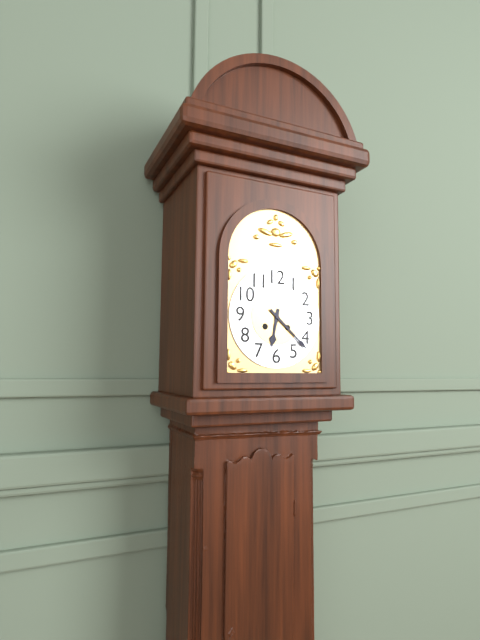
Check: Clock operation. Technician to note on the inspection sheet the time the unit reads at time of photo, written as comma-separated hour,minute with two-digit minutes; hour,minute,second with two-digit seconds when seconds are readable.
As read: 6,22
